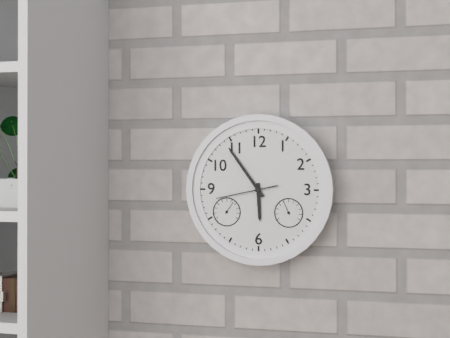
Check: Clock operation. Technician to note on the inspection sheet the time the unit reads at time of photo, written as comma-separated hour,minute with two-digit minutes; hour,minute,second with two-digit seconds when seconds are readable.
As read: 5,54,43
